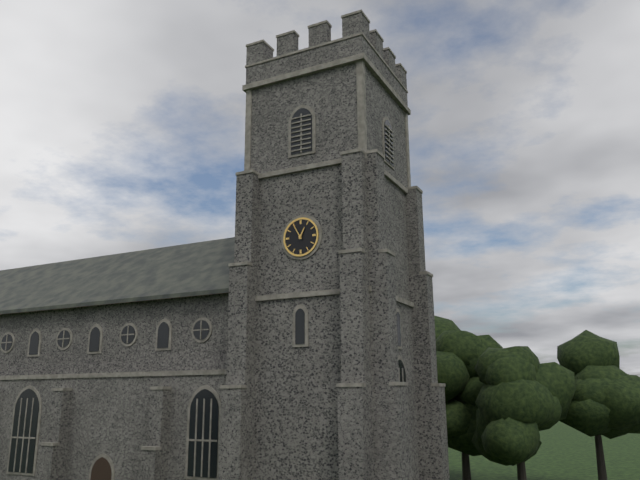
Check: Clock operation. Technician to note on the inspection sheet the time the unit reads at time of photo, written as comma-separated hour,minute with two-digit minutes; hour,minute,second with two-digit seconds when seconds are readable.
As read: 12,55
